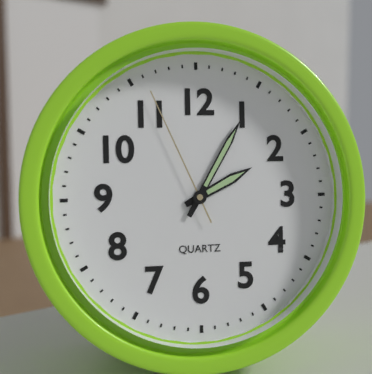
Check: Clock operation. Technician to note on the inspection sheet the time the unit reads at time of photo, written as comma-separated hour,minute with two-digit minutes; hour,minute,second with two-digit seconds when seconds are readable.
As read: 2,05,56
